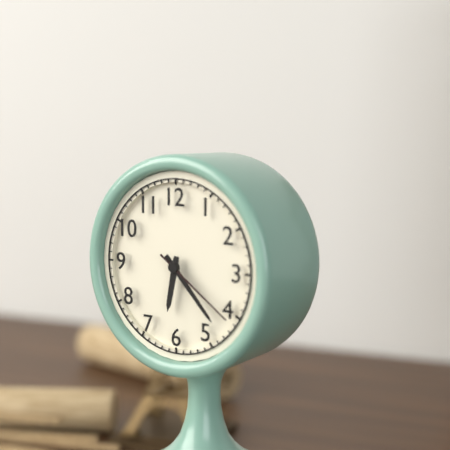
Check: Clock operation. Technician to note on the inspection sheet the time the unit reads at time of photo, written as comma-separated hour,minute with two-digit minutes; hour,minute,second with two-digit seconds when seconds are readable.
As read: 6,23,21
